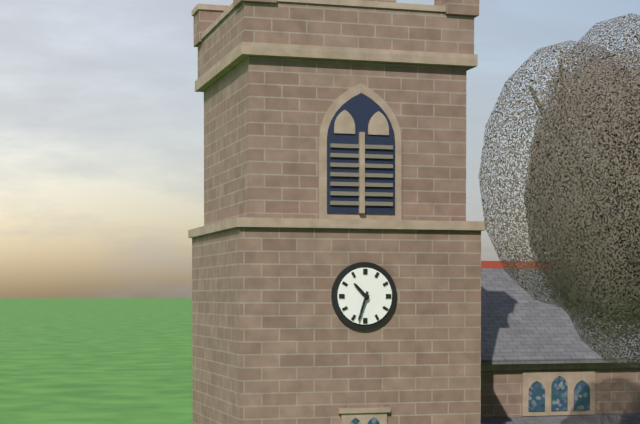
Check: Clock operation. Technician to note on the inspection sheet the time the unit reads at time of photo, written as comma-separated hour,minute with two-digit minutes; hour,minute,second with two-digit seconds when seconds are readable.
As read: 10,33
